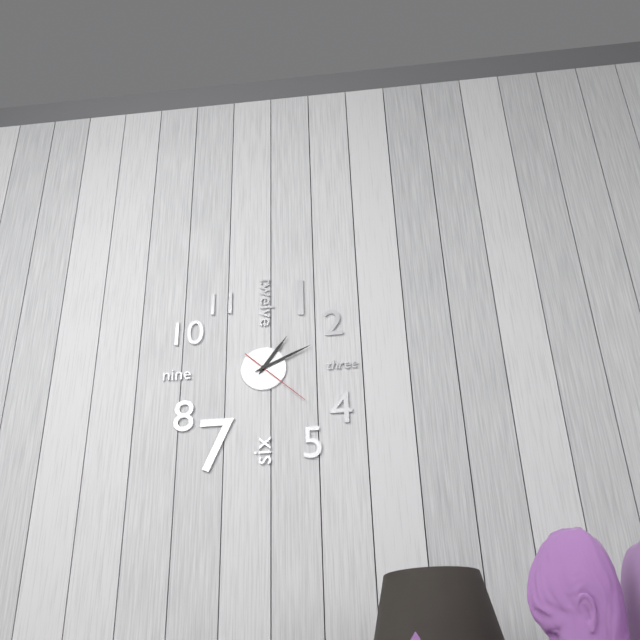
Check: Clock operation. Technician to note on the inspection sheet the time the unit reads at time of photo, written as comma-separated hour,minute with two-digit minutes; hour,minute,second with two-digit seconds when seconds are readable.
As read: 1,11,22
